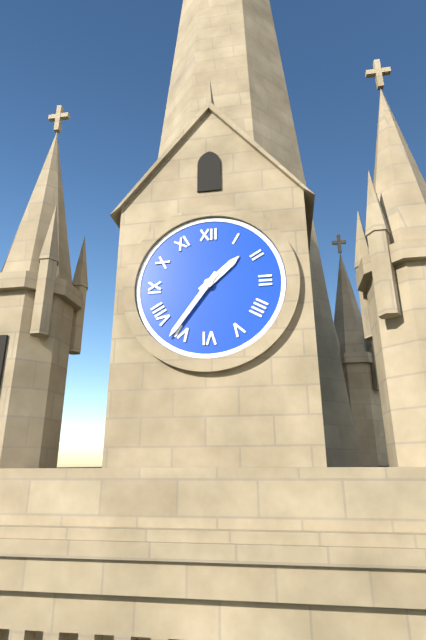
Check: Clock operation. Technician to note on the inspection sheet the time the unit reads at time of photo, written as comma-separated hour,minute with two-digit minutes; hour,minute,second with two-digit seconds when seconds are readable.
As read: 1,36
